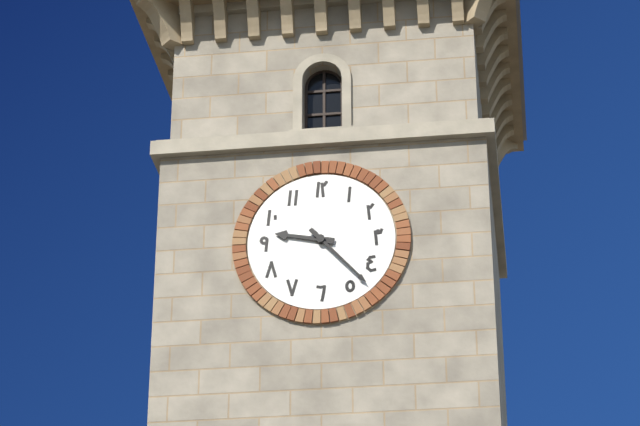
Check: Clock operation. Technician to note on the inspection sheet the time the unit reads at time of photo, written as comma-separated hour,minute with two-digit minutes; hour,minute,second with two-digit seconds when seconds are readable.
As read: 9,23
